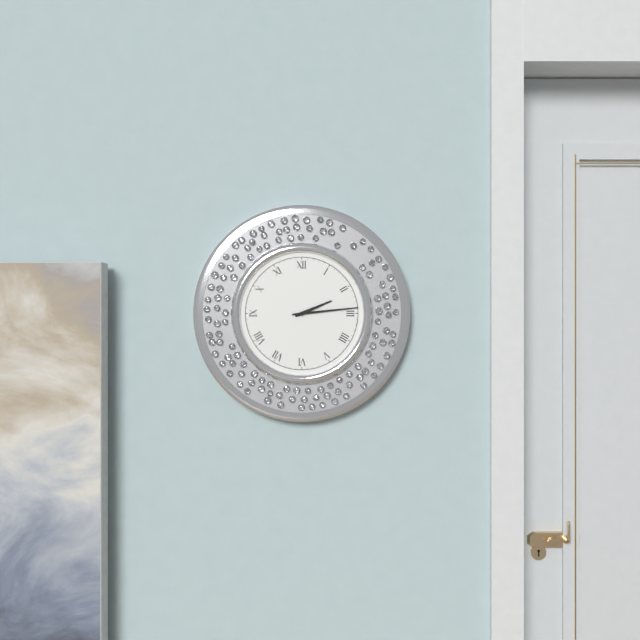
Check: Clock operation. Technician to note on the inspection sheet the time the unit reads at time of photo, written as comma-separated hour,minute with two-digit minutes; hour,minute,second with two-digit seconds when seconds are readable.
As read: 2,14
